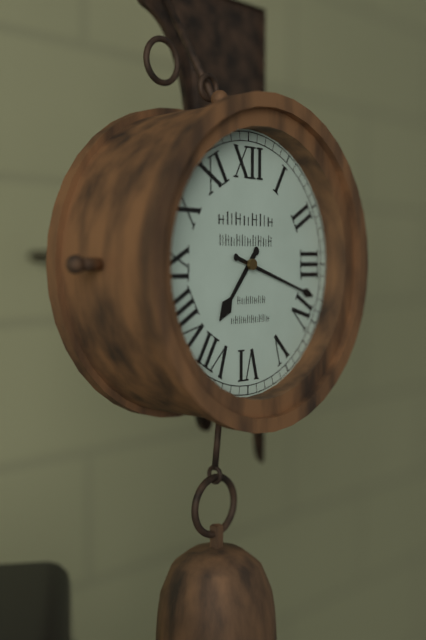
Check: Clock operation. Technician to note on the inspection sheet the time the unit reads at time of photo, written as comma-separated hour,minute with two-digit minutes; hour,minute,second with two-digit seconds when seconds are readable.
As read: 7,18
